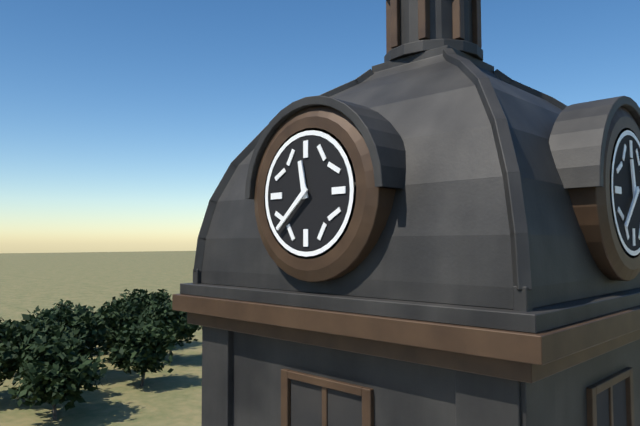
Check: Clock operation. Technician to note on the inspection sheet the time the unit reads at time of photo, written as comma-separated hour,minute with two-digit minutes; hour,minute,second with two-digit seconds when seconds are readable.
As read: 11,38
